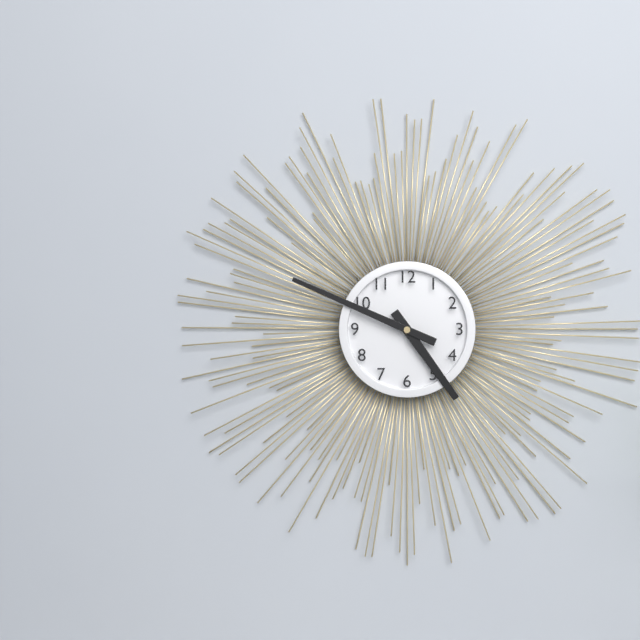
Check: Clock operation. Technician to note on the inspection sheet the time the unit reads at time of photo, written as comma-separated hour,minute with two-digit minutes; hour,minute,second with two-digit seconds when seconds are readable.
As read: 4,49
